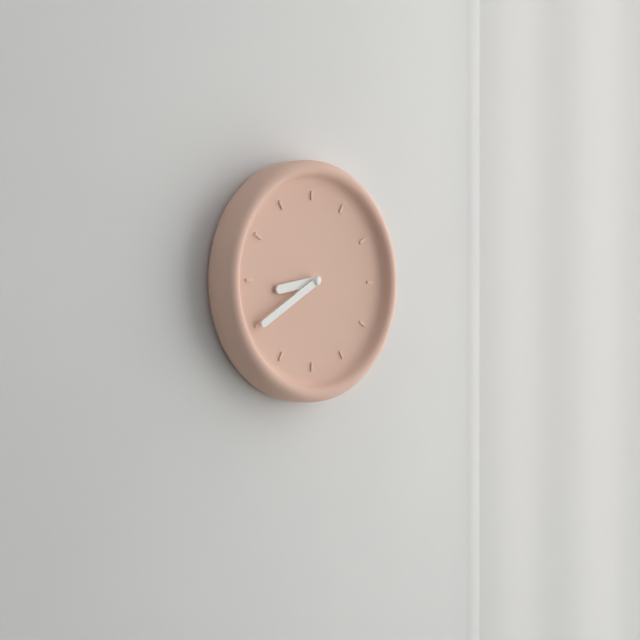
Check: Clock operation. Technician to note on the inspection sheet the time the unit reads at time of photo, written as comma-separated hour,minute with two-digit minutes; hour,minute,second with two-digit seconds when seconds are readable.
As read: 8,40
